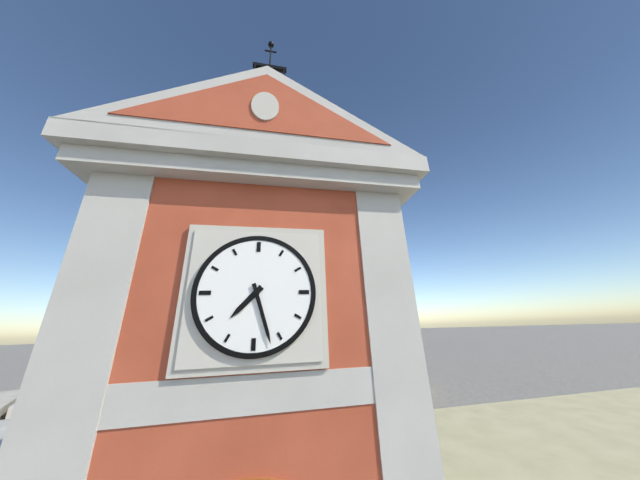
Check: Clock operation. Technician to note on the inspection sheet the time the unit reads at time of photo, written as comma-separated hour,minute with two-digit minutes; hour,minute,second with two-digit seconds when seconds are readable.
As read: 7,27
